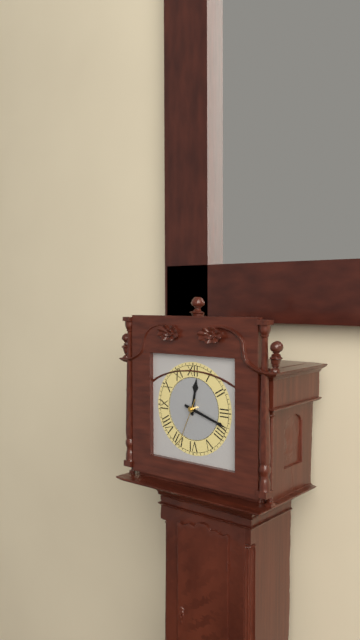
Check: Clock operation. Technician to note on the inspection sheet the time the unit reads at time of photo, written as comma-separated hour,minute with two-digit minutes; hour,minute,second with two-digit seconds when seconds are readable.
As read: 12,18
